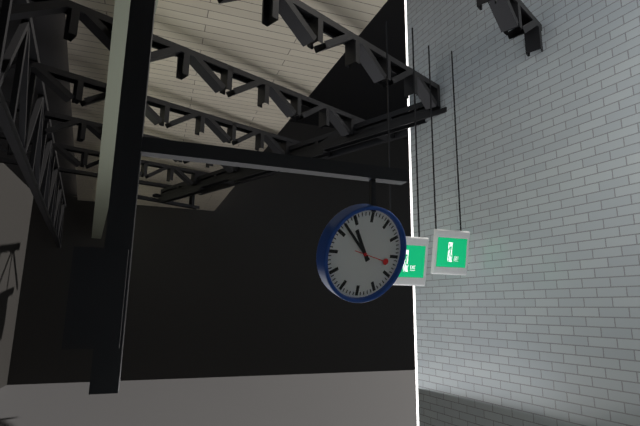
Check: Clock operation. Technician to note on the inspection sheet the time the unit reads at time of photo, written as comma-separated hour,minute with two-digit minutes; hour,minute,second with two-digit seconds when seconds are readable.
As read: 10,52
